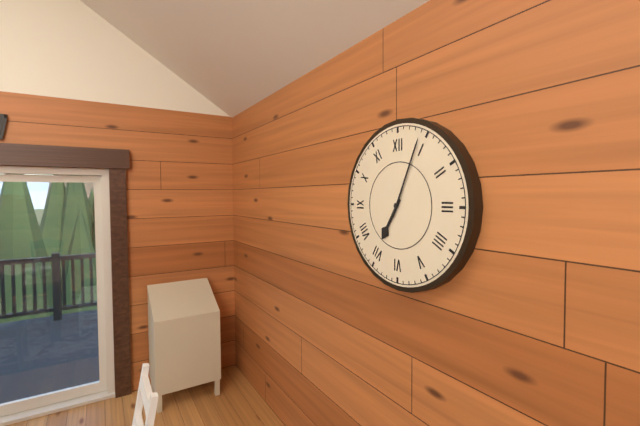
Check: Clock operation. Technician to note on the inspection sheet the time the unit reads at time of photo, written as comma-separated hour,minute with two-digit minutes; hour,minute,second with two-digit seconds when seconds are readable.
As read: 7,04
